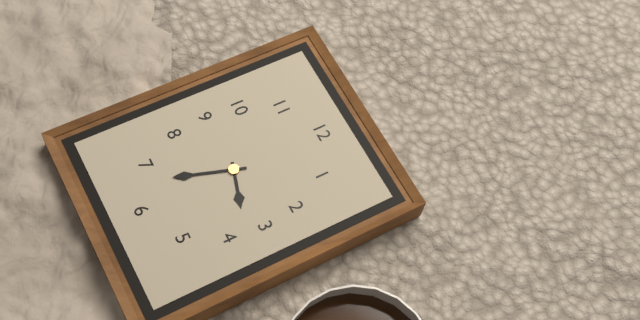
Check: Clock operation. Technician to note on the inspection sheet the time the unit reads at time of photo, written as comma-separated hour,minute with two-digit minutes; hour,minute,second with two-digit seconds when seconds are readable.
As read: 3,33
